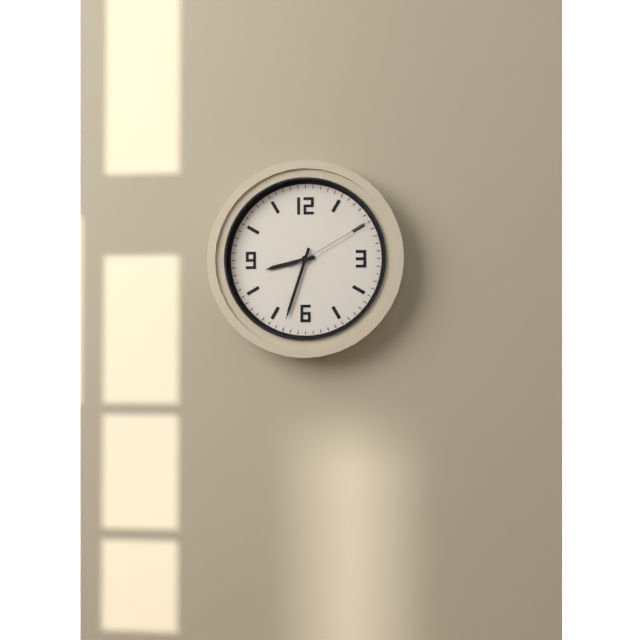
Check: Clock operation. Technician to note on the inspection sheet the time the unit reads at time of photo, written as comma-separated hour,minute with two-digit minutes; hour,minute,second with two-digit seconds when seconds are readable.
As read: 8,33,10
